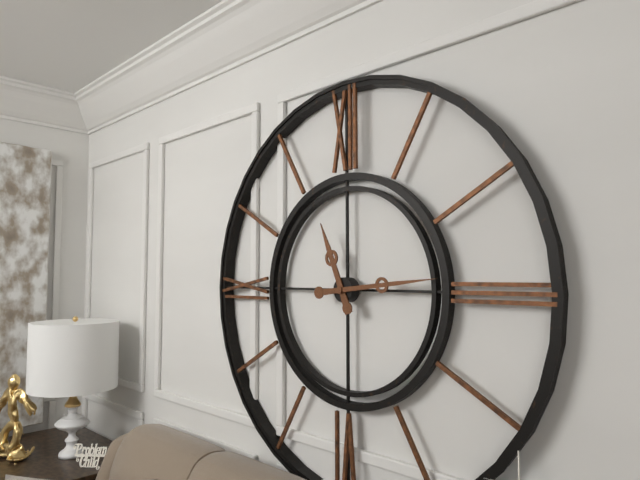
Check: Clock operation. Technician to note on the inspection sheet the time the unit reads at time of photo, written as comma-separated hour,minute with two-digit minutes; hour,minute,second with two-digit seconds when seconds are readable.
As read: 11,14
